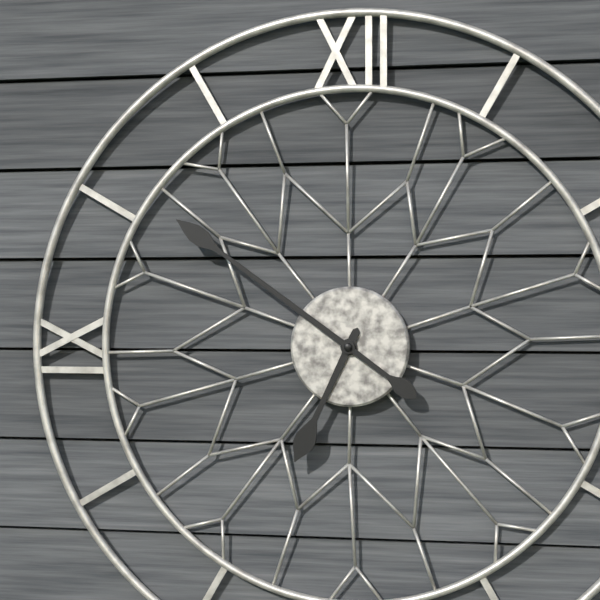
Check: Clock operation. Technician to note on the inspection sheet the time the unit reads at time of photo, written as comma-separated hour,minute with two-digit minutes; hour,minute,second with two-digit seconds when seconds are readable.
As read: 6,51
